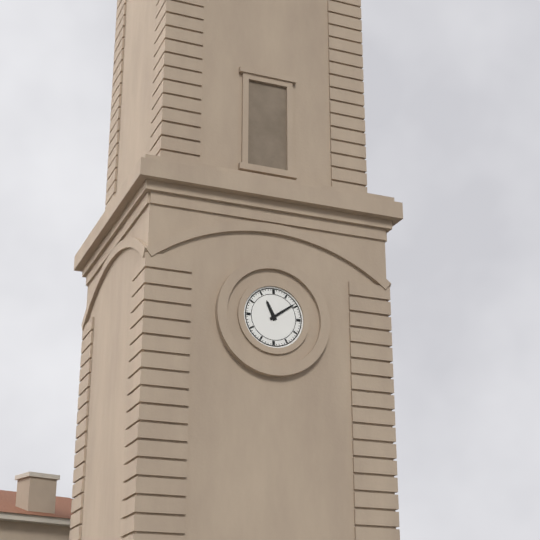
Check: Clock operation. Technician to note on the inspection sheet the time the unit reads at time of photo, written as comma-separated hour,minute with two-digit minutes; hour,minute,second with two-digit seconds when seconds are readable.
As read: 11,09
